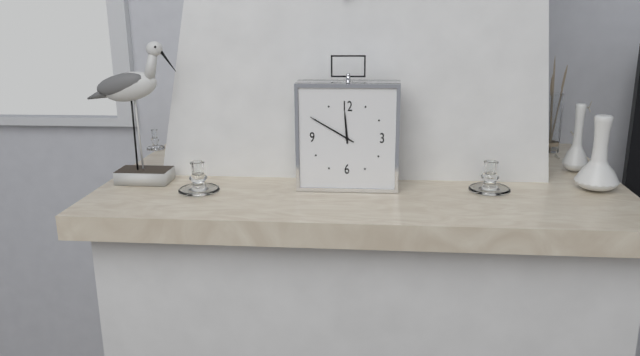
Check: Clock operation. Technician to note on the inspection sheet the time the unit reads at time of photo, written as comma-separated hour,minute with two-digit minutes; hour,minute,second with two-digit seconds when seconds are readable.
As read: 11,50
